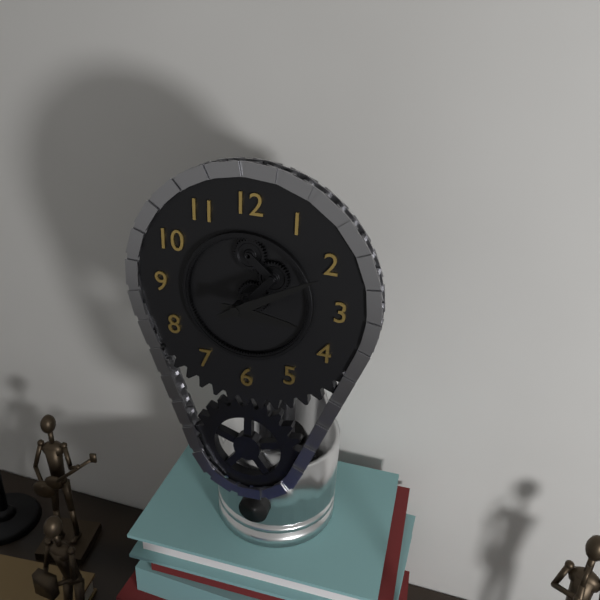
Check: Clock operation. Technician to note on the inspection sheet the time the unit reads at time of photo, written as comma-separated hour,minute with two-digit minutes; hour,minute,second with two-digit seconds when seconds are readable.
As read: 3,10
